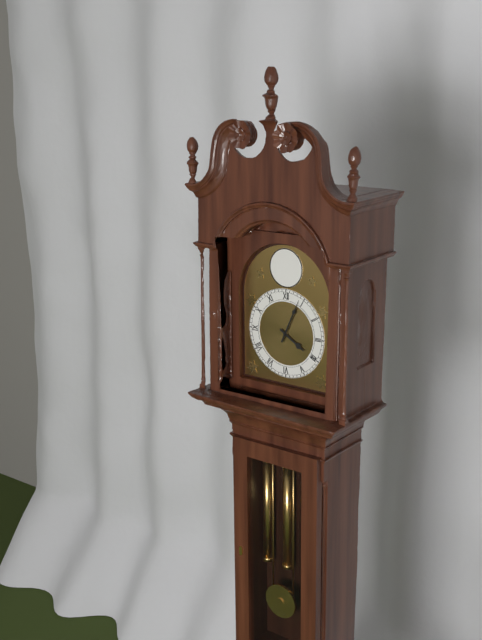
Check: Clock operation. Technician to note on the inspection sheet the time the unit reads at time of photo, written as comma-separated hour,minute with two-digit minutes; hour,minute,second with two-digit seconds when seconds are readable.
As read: 4,04
